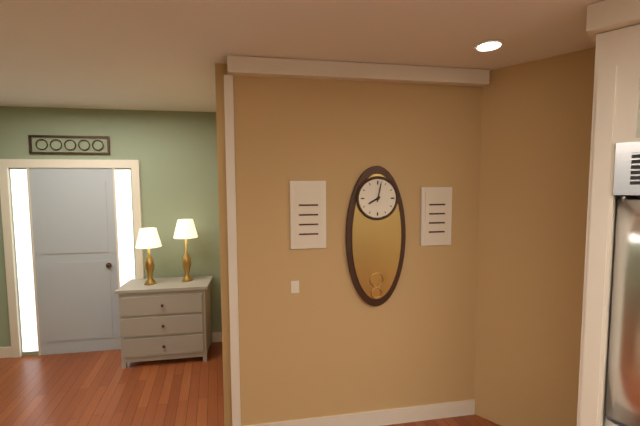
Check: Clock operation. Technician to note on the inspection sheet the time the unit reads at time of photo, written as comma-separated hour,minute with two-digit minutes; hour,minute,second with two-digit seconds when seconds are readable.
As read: 8,02
